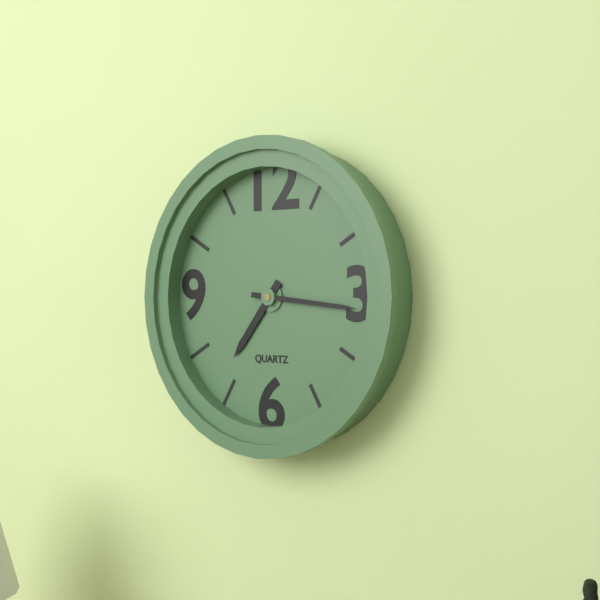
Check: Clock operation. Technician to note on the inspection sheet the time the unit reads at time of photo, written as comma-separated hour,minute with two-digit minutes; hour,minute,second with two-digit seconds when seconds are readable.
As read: 7,16
